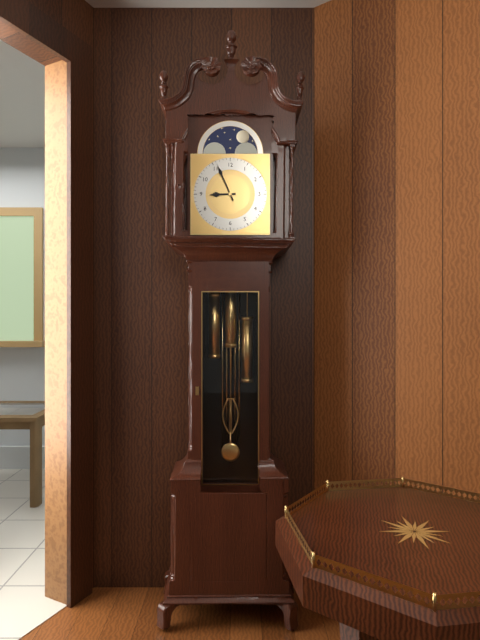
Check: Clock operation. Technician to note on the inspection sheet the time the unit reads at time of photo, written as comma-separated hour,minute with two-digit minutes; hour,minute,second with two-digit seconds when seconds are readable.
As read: 8,56
